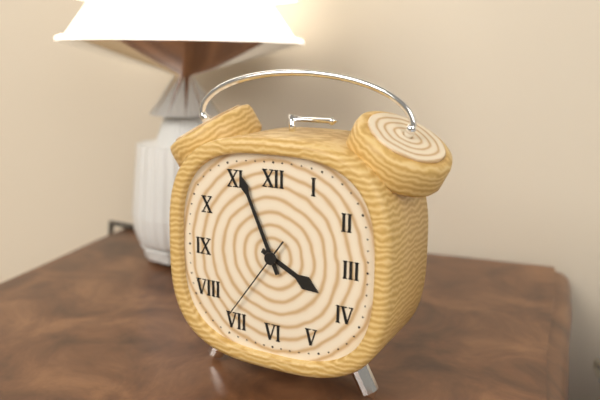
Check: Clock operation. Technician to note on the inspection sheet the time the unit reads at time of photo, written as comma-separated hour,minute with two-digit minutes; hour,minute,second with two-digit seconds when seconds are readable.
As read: 3,56,36
